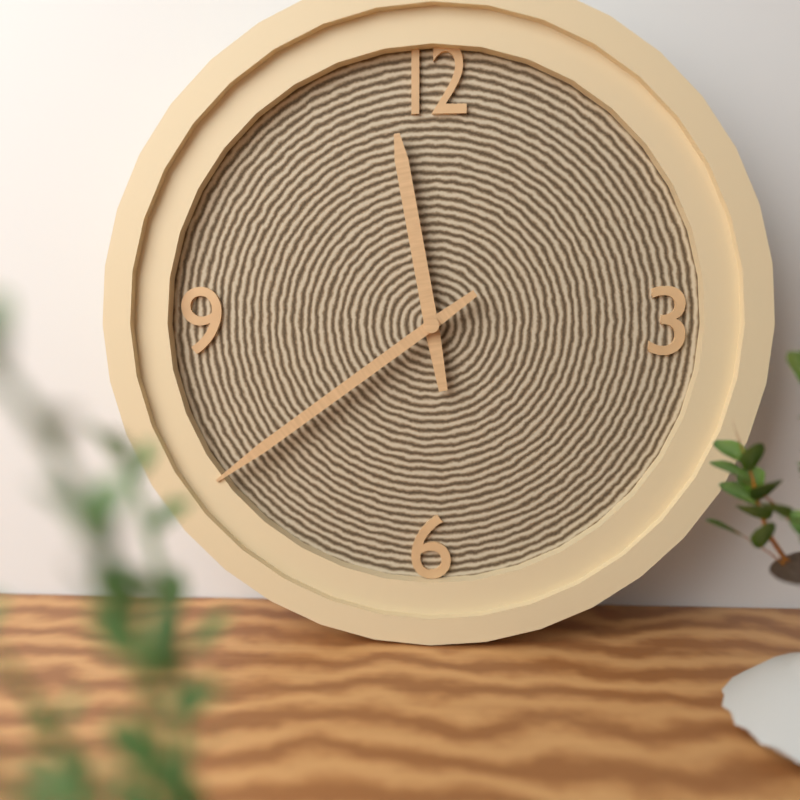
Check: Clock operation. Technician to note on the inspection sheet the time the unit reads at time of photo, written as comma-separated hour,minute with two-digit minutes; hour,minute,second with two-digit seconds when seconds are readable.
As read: 11,39
